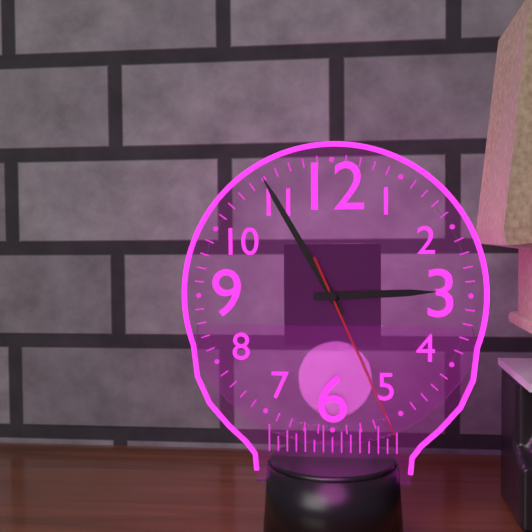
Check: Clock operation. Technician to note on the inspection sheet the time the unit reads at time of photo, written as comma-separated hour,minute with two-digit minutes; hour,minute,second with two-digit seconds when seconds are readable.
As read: 2,55,26
